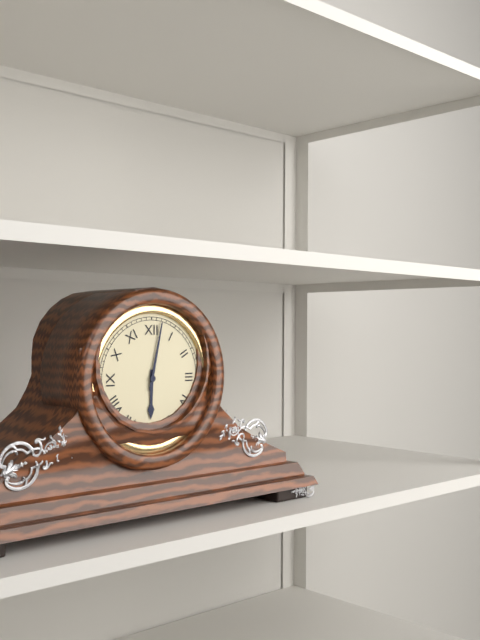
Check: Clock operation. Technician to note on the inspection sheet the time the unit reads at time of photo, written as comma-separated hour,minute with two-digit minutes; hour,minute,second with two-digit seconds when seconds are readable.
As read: 6,02
